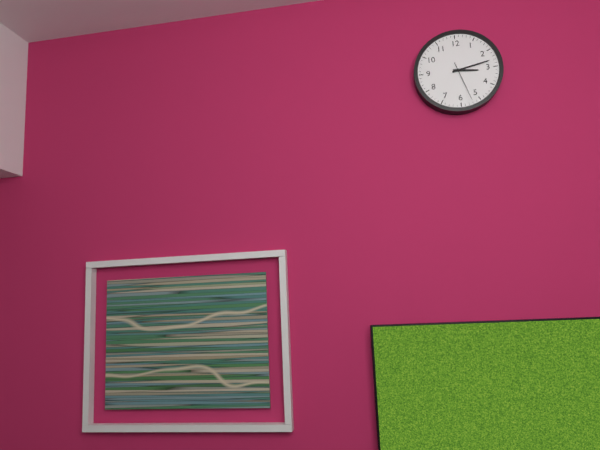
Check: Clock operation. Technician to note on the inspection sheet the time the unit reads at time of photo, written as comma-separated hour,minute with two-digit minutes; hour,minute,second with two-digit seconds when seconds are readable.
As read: 3,13
